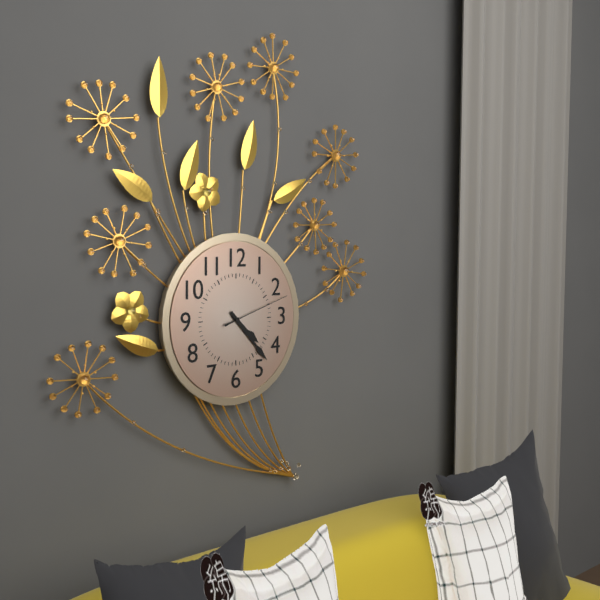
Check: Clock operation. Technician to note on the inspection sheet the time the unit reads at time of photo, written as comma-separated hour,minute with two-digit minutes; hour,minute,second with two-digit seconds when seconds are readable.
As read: 4,23,12
